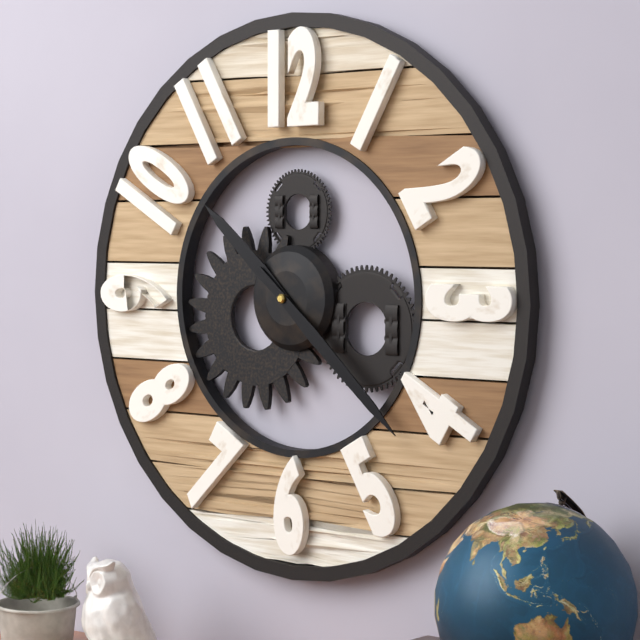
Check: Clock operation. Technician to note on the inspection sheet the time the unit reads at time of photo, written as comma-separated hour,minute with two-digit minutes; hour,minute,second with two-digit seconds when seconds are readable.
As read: 10,22
